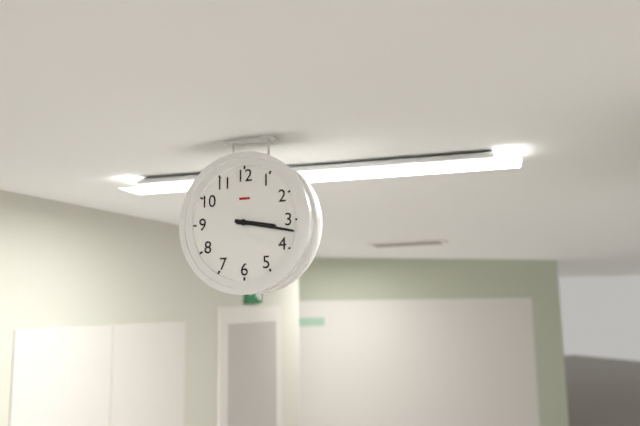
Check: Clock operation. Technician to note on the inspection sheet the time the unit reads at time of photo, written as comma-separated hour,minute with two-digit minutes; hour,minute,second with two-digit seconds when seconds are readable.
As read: 3,17
